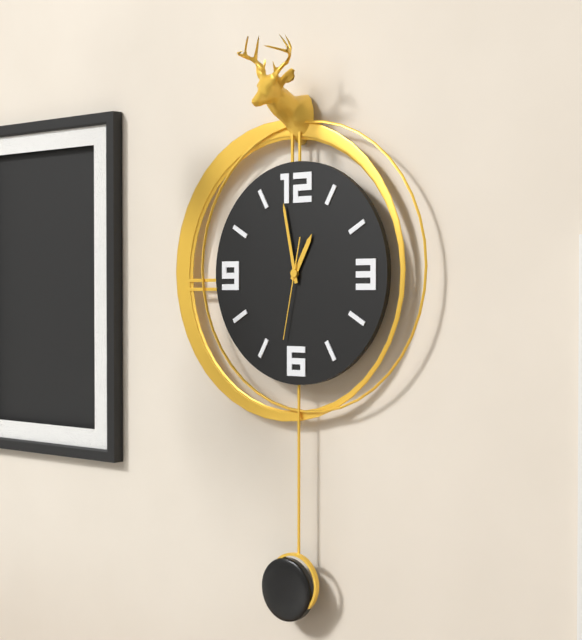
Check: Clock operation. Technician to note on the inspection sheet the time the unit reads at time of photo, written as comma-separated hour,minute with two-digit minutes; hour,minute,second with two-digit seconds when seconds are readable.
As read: 12,58,32
